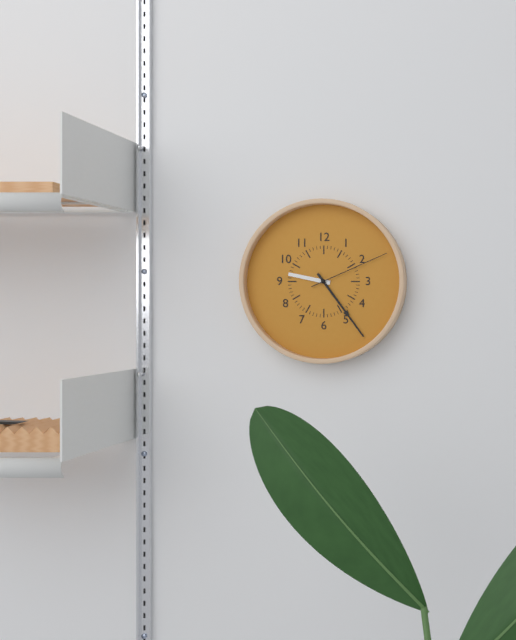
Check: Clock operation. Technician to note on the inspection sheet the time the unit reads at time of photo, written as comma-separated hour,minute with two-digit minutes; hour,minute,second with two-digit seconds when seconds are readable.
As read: 9,24,11
